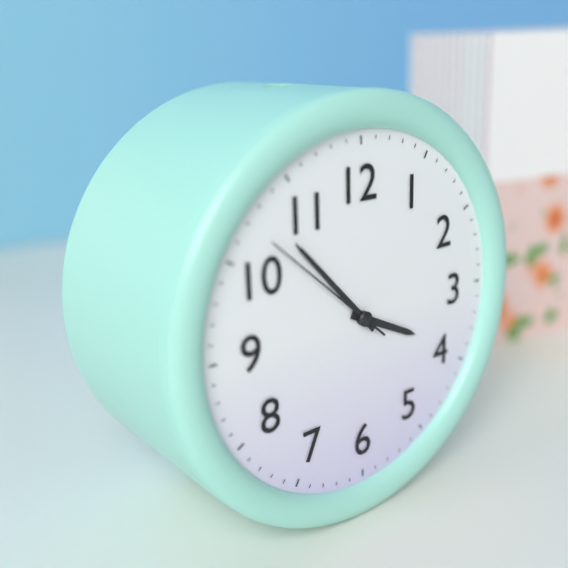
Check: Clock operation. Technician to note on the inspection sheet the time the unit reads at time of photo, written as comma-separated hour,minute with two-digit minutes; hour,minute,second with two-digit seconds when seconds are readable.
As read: 3,53,52
